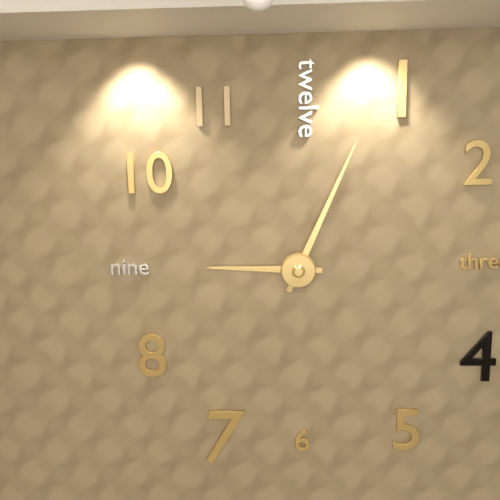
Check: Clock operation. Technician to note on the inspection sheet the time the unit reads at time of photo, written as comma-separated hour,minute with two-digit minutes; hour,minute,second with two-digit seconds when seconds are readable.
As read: 9,04
